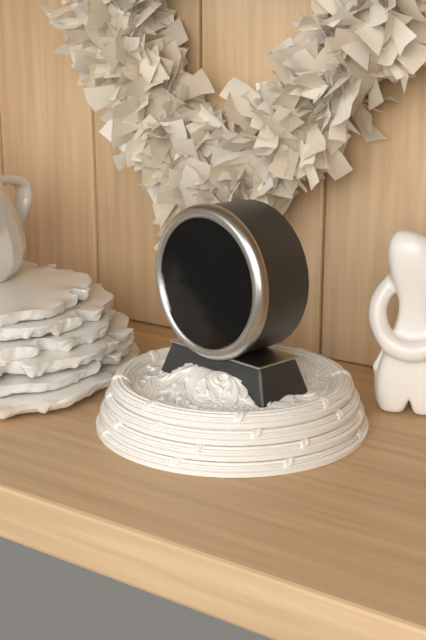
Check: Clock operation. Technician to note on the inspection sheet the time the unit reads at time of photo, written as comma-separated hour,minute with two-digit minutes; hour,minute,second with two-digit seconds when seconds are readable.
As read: 4,08
